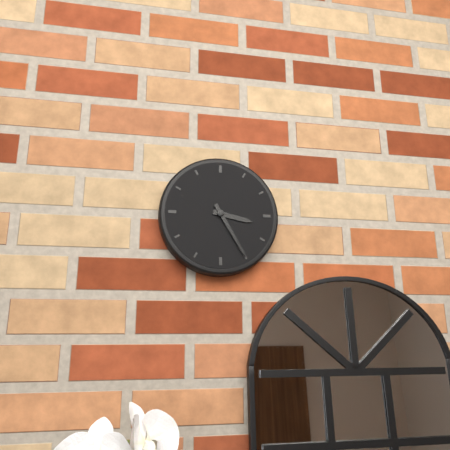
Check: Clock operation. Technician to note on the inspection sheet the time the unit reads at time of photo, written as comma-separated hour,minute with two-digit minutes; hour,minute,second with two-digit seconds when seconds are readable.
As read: 3,25
